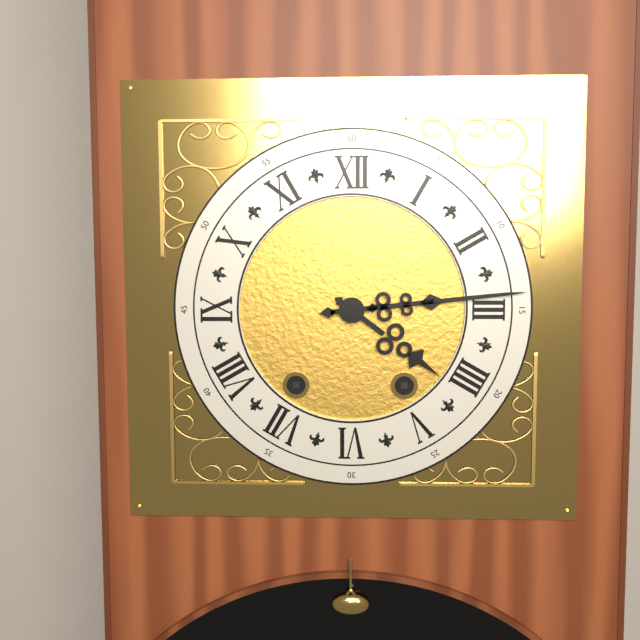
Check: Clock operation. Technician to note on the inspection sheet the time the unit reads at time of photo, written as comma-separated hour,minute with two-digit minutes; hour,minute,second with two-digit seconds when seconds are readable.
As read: 4,14
